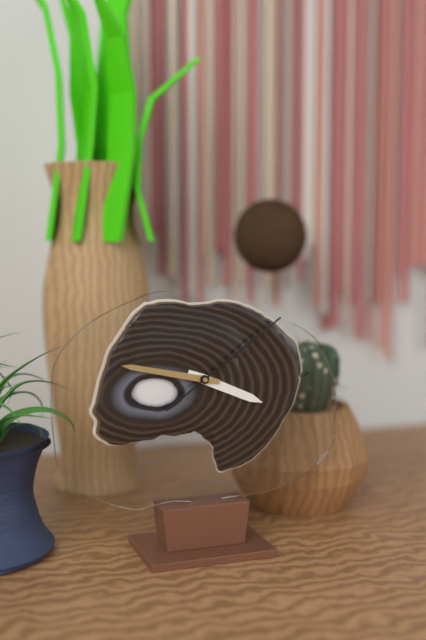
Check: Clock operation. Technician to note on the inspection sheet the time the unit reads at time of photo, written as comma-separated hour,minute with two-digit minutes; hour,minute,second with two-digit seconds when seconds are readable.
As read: 3,47,09
